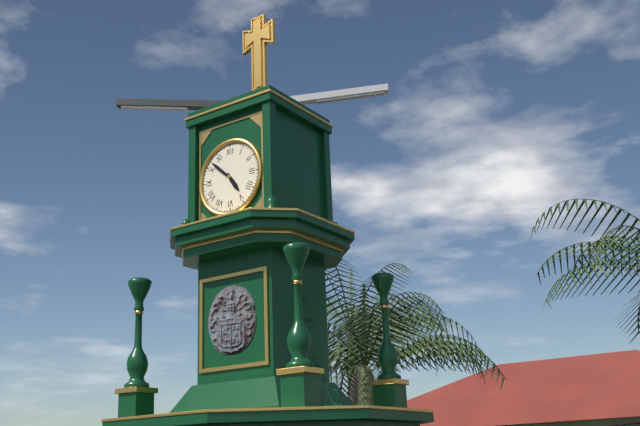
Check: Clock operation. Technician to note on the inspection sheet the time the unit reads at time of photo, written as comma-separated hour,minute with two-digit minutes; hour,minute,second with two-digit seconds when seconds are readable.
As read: 4,52
